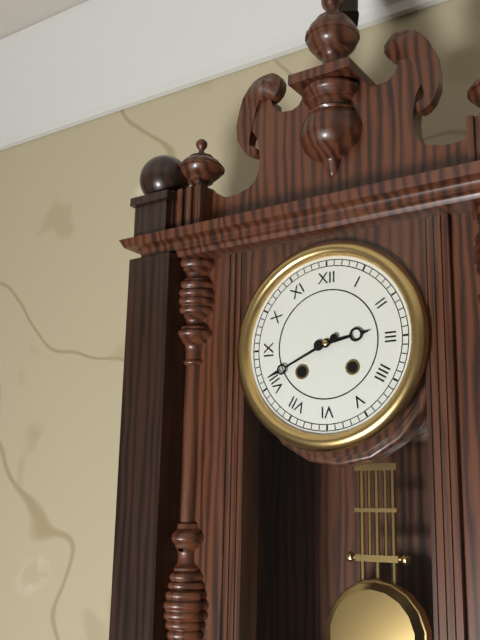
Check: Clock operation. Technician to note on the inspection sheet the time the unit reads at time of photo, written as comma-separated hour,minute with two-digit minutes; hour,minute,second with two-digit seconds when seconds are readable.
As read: 2,41
